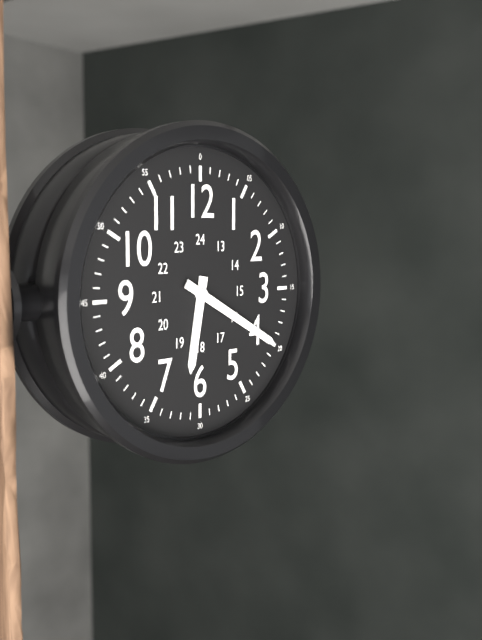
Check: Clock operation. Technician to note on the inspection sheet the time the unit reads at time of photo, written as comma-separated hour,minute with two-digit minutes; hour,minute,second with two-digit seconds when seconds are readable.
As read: 6,20
